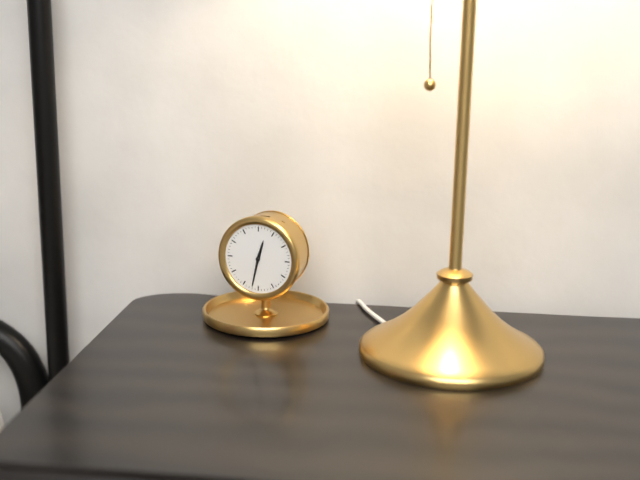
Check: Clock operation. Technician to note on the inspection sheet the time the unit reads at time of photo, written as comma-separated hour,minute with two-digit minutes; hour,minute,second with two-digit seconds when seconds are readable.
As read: 12,32
